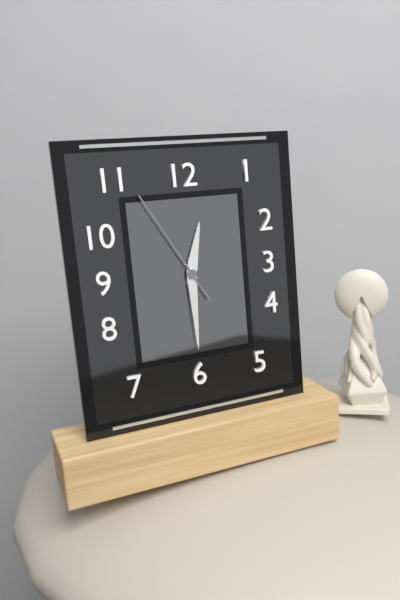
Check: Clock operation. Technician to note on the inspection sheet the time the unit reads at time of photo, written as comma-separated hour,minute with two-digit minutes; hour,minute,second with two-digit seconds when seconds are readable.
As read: 12,30,55
